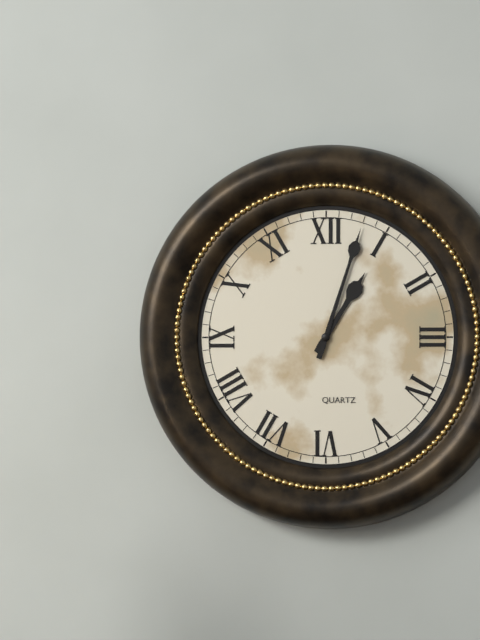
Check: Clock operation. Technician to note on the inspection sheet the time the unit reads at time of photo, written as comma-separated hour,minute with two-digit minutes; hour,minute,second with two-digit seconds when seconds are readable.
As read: 1,03
